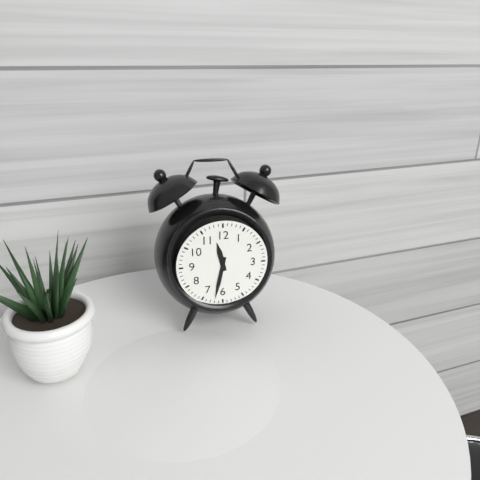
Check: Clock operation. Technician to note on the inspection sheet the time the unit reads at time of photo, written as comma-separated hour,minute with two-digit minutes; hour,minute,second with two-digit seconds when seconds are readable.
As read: 11,32
